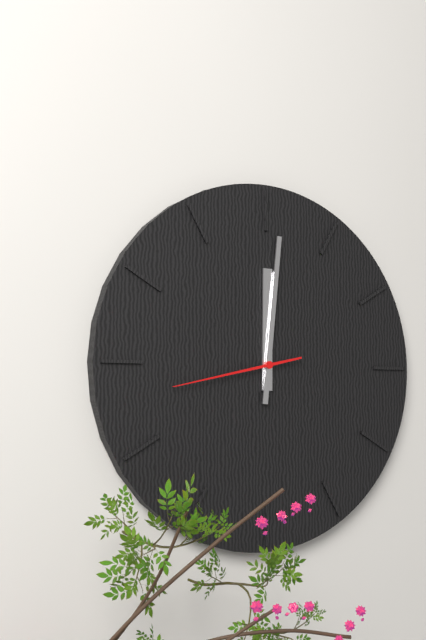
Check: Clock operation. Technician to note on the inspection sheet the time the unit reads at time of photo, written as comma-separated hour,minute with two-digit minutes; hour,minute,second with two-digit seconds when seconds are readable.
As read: 12,01,43
